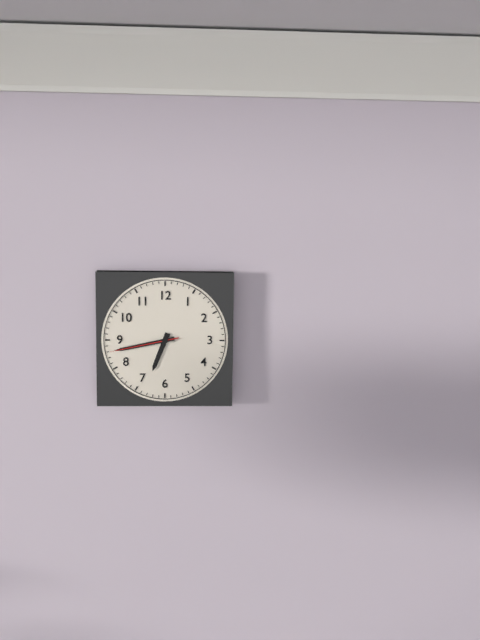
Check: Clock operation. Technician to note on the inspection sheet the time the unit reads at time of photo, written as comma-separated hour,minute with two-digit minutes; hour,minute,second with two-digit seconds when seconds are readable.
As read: 6,43,43
